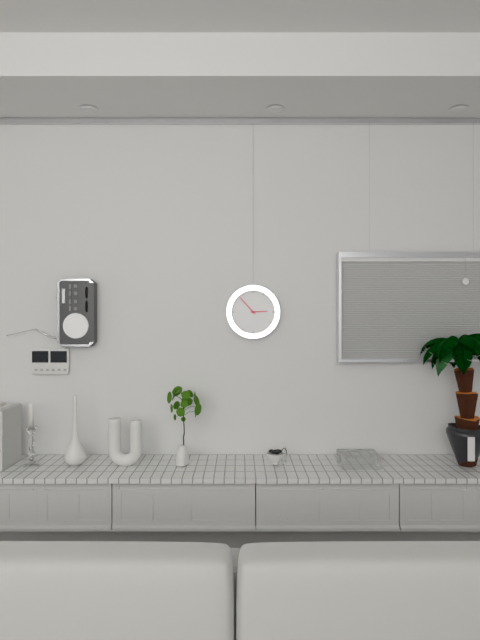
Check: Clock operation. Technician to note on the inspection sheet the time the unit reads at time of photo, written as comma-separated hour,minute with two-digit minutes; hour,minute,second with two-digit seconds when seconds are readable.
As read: 2,53
